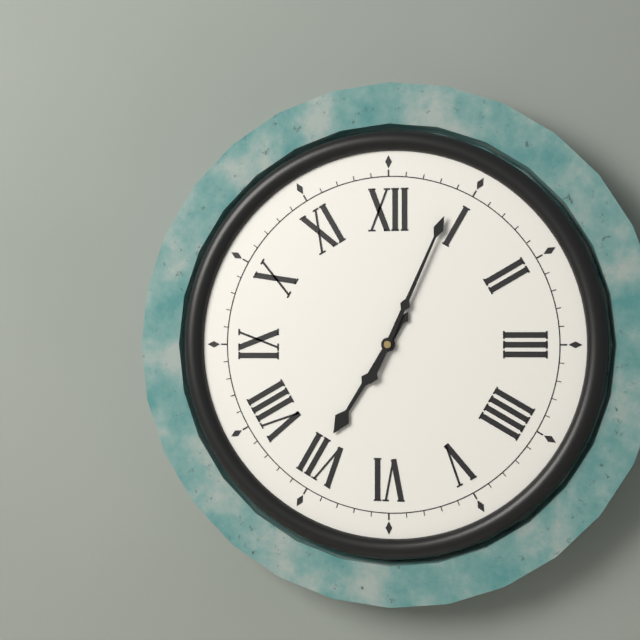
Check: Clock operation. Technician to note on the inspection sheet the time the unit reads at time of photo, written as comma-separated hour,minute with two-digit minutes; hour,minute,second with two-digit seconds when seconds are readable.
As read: 7,04
